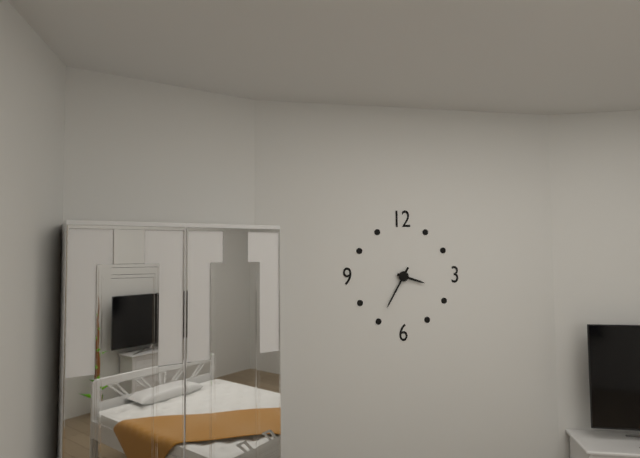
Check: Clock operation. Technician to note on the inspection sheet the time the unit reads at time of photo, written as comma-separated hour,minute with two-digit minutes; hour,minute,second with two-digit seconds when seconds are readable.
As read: 3,35
